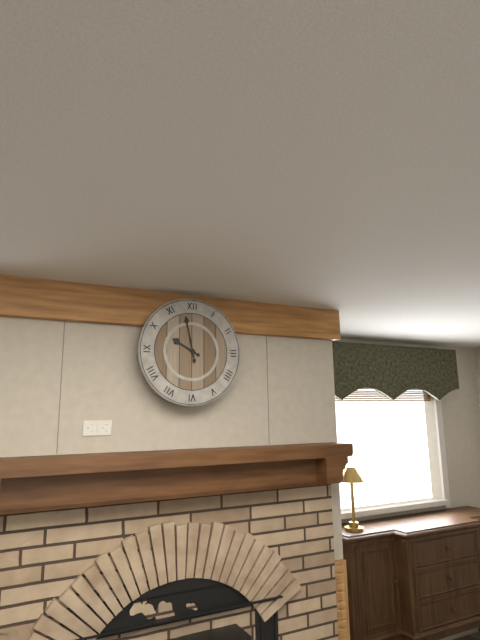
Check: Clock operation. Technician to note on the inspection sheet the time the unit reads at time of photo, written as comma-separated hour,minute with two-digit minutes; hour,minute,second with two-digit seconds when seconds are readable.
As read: 9,58
